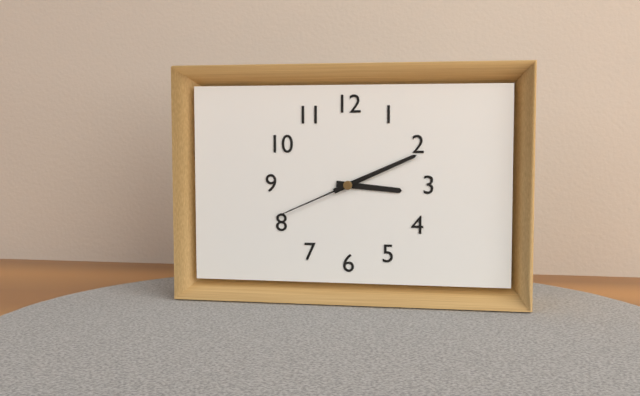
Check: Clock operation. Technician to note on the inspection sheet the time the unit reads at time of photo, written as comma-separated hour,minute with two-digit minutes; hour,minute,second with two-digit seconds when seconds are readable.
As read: 3,11,41
